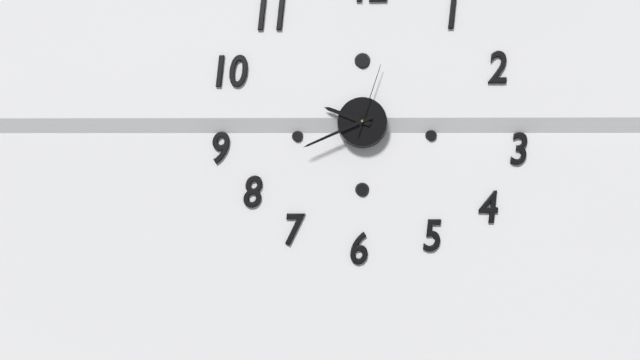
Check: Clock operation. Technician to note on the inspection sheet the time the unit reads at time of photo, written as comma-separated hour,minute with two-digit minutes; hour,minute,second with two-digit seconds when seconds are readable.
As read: 9,41,03
